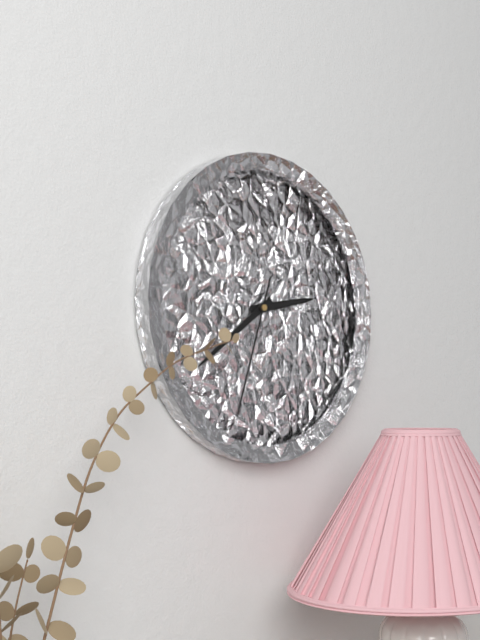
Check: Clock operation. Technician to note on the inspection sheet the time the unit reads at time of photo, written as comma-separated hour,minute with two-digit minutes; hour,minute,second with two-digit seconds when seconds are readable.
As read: 2,39,33
